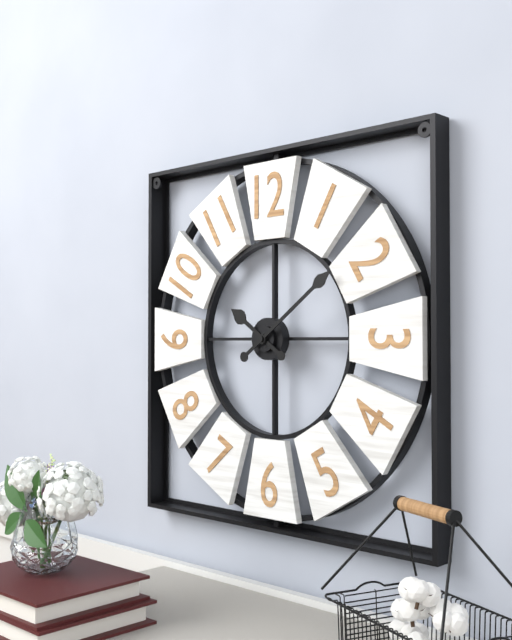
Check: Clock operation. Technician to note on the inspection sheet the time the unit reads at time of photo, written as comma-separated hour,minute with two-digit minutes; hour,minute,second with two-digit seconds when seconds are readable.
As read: 10,09
